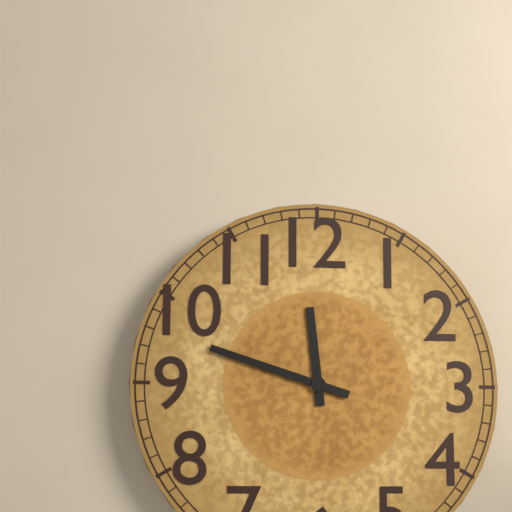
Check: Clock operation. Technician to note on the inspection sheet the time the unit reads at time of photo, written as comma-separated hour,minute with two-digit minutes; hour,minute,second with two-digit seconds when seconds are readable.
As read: 11,48
